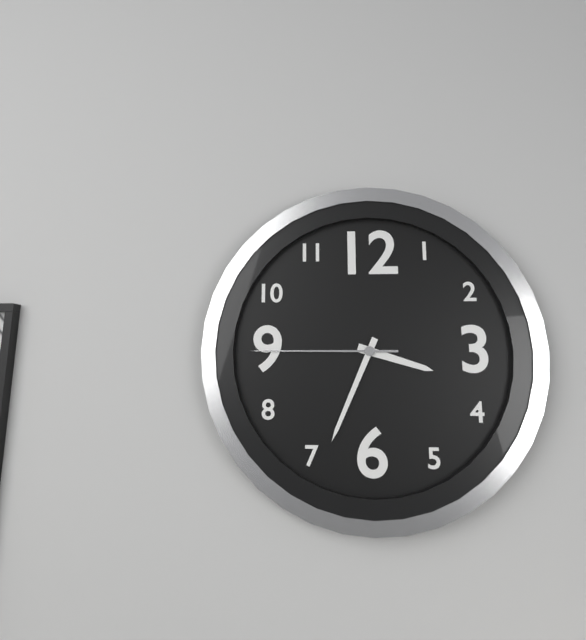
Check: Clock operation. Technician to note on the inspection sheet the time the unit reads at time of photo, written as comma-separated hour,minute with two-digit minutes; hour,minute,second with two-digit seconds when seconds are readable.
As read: 3,34,45
